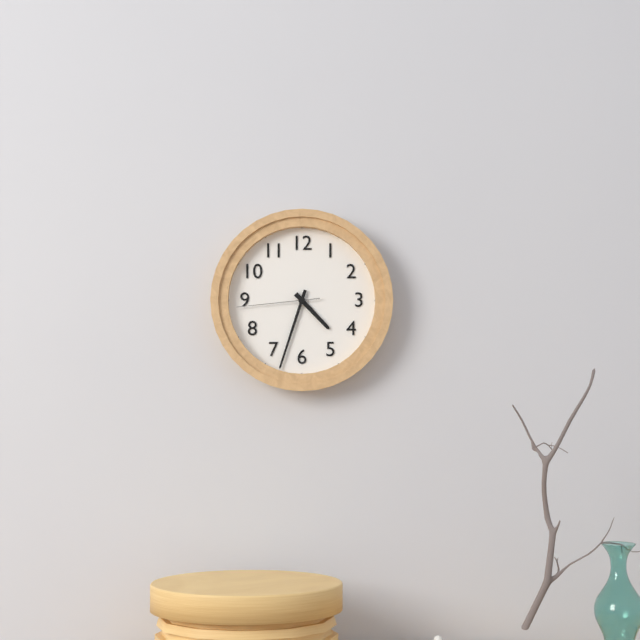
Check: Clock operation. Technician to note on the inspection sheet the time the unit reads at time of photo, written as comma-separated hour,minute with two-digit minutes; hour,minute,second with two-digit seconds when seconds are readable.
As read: 4,33,44
